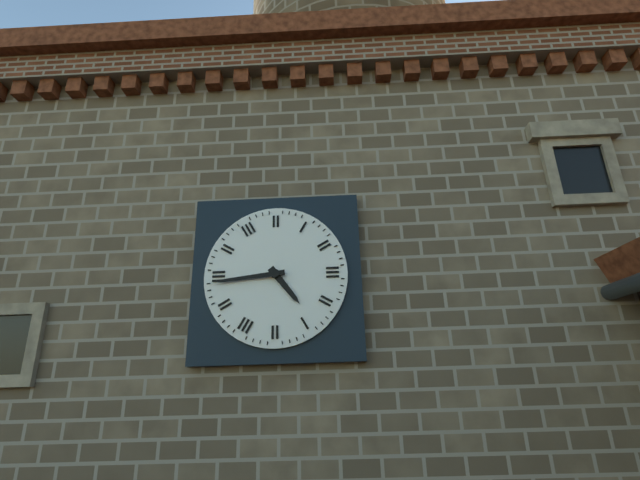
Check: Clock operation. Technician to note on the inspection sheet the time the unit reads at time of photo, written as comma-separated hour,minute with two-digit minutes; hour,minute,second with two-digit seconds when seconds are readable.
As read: 4,44
